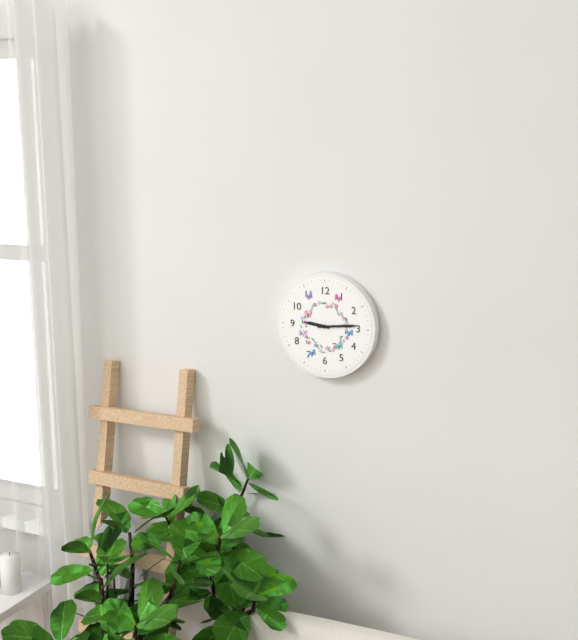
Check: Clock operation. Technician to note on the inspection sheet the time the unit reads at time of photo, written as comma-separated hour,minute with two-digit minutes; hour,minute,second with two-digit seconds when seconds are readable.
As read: 9,14
